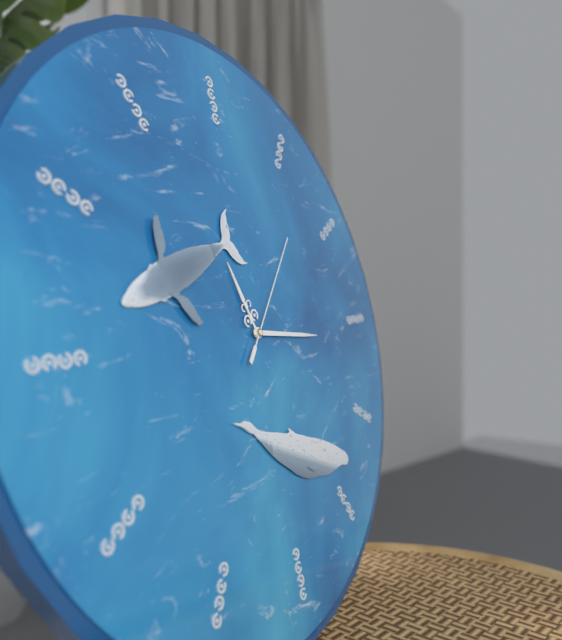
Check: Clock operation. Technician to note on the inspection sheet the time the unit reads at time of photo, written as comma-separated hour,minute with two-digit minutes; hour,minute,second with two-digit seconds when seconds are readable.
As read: 11,16,07
